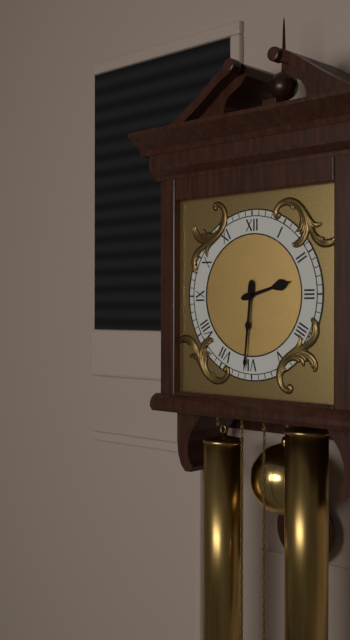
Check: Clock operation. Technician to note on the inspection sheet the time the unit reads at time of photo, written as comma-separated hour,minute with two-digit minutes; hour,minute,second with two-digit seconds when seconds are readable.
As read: 2,31
